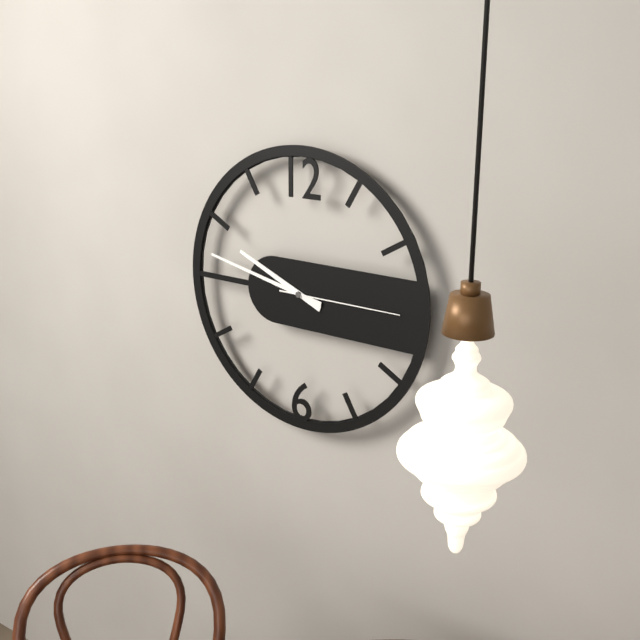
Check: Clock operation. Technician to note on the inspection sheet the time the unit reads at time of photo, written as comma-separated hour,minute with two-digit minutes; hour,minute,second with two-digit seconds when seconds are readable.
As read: 9,47,15
